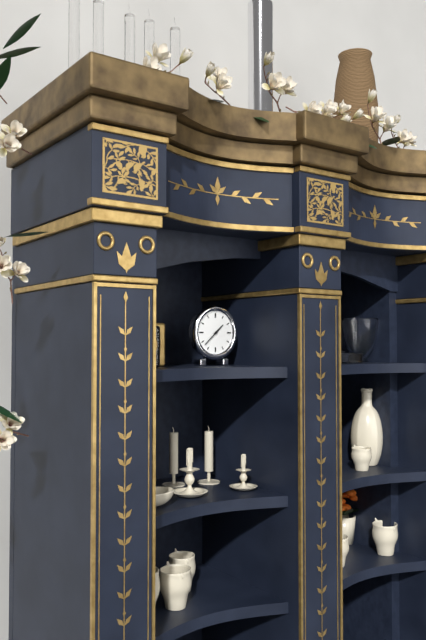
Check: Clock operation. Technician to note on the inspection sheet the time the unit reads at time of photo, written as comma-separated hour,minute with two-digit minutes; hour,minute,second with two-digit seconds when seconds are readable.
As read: 1,38
